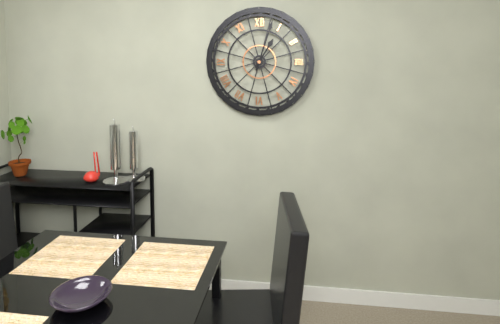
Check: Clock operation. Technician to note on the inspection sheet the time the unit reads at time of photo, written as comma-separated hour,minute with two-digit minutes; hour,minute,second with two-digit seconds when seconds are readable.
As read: 1,03
